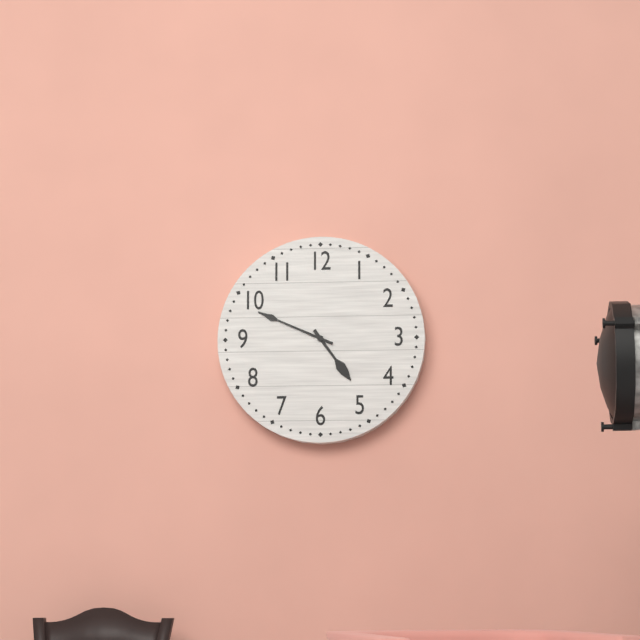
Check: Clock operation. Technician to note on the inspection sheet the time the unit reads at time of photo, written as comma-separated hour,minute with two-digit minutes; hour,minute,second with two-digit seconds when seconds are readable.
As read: 4,49
